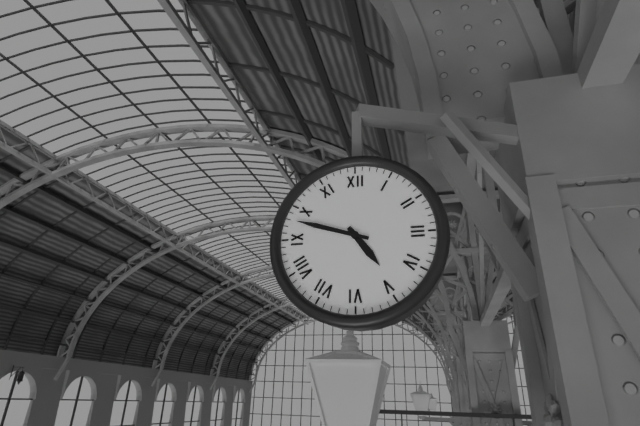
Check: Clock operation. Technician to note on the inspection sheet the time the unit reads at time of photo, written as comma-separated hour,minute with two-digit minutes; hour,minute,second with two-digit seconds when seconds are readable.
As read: 4,48
